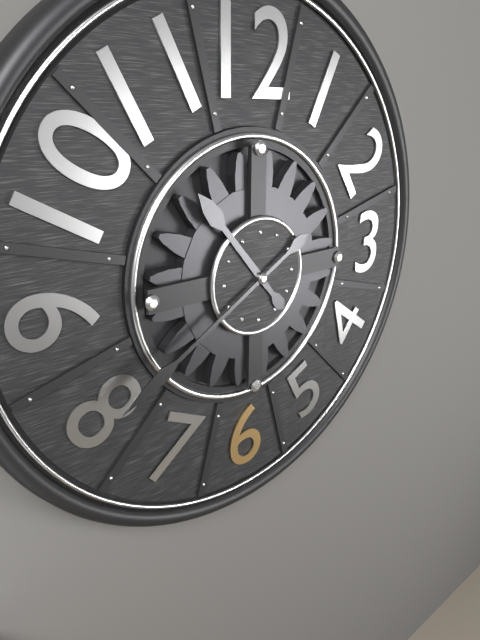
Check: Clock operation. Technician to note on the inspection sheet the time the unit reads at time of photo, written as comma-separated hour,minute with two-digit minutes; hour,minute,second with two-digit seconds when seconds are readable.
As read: 10,40
